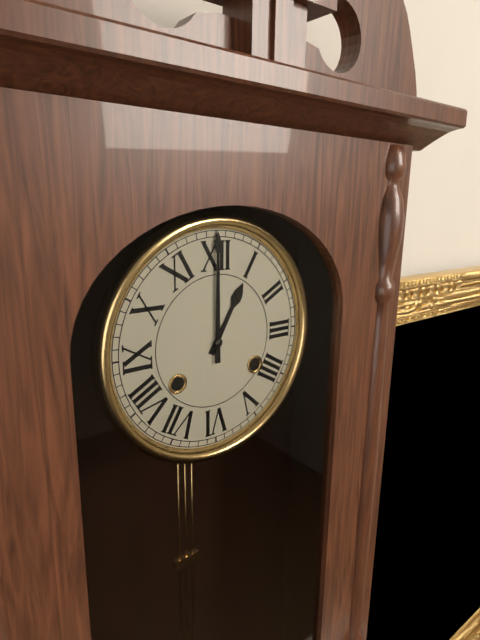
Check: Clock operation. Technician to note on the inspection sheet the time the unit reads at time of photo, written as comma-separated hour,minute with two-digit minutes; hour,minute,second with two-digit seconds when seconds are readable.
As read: 1,00
